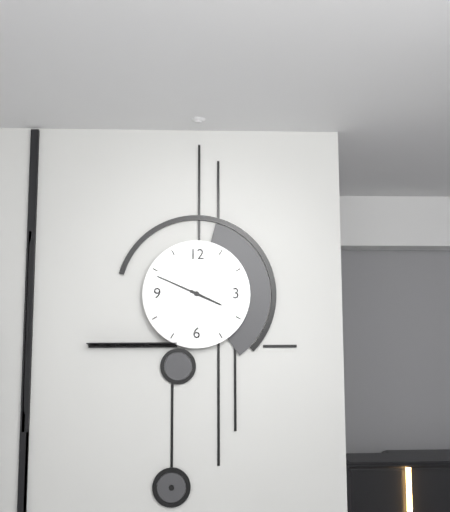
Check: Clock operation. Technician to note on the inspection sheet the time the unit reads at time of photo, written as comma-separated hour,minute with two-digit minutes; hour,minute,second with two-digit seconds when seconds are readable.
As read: 3,49
